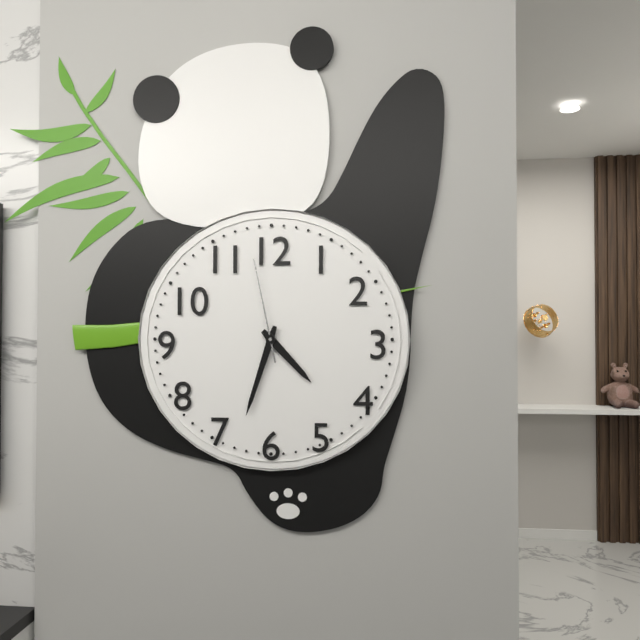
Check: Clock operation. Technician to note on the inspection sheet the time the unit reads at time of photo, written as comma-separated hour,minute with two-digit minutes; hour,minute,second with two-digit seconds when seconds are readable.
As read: 4,33,58
